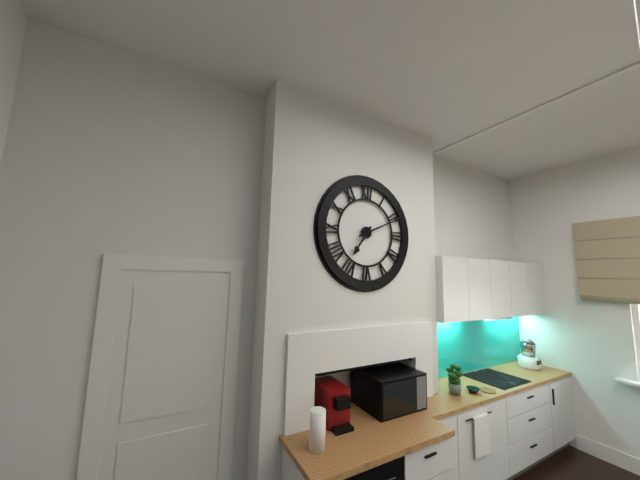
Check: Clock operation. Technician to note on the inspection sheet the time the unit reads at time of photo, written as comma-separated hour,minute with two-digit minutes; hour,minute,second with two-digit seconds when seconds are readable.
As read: 7,11
